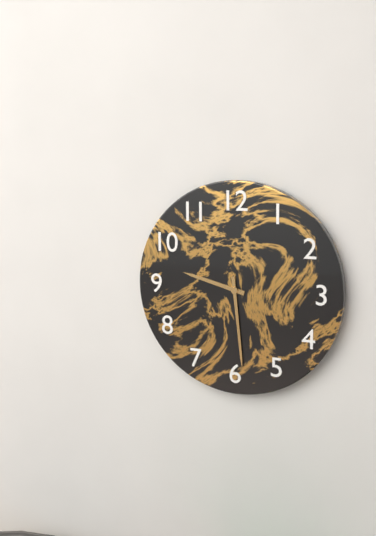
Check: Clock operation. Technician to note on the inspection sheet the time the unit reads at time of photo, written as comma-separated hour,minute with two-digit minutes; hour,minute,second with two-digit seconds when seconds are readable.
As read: 9,29
